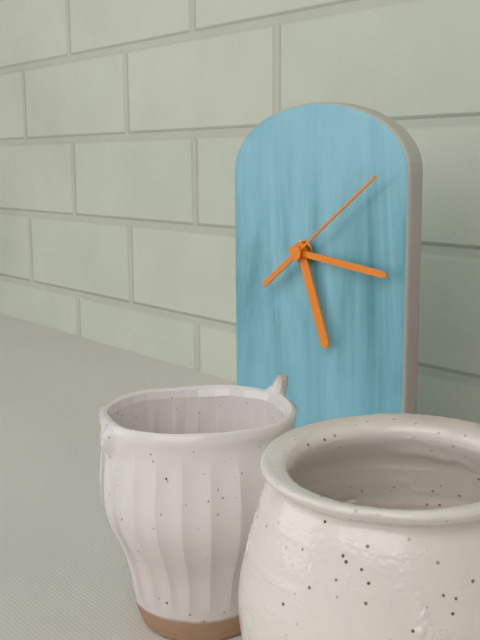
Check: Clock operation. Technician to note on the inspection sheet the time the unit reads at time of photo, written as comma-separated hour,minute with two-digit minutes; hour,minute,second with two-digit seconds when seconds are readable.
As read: 5,16,09
